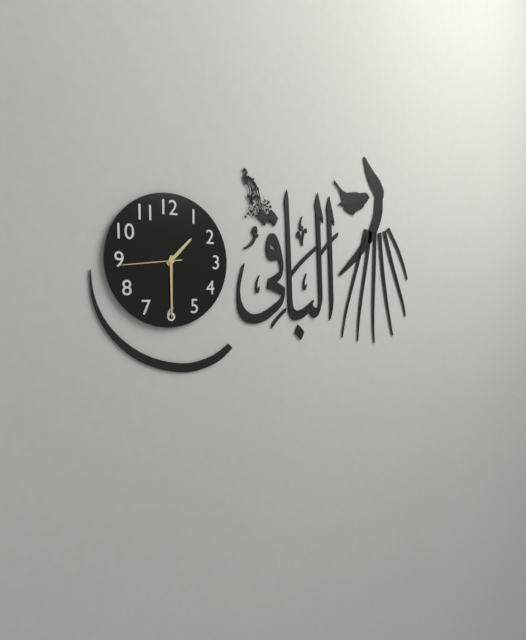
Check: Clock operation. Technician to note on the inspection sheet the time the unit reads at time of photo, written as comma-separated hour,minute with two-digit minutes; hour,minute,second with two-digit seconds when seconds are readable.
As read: 1,30,44
